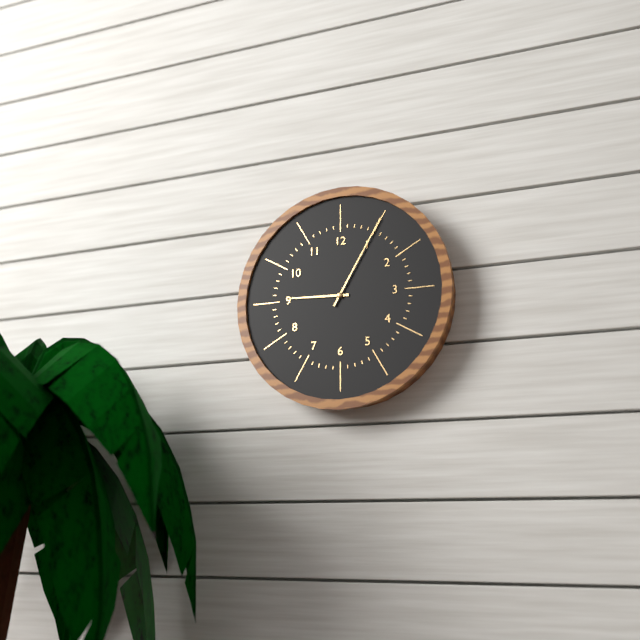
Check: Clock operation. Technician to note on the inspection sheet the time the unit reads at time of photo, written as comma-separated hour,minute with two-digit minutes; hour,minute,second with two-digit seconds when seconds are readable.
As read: 9,05
